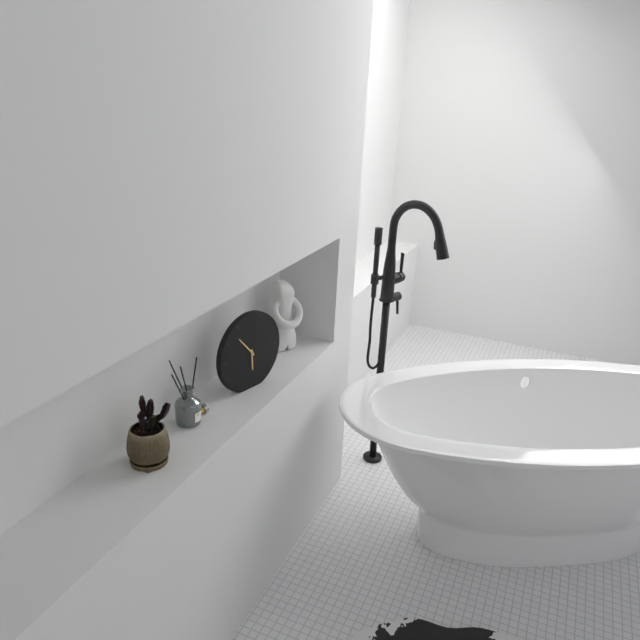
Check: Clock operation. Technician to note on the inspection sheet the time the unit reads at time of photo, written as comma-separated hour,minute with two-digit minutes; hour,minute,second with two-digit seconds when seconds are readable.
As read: 5,53
